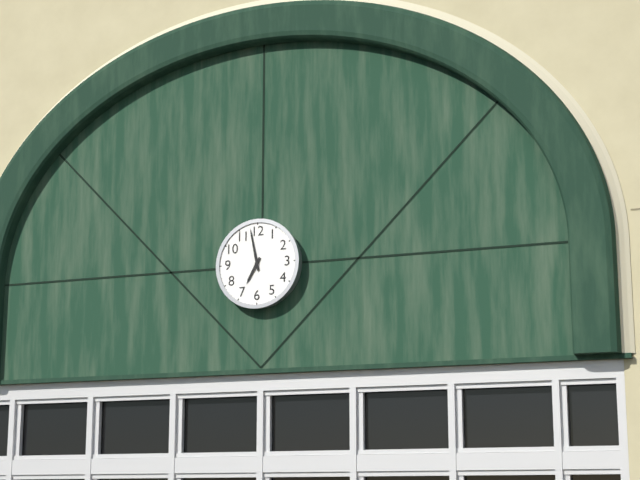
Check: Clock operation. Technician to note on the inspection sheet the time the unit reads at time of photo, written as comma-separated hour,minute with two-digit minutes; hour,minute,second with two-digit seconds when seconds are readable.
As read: 6,58
